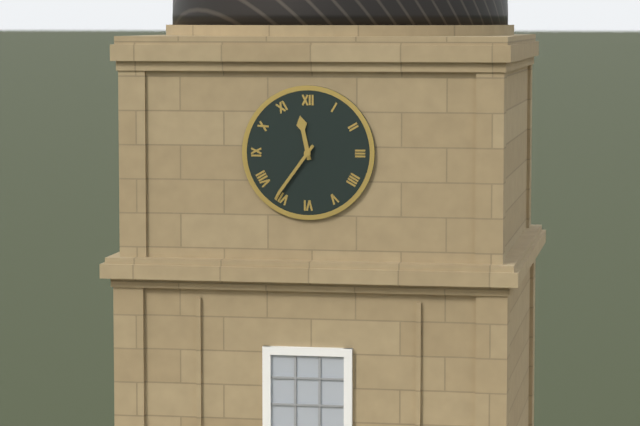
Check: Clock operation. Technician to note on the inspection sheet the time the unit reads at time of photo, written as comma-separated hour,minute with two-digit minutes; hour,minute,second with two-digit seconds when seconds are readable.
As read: 11,36
